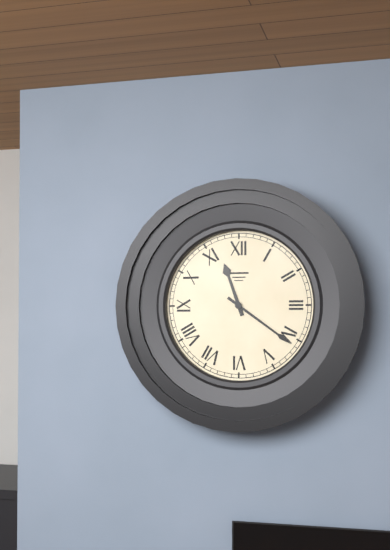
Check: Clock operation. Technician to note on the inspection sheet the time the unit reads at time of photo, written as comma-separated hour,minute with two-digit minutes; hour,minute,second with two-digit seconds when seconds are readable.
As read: 11,21
